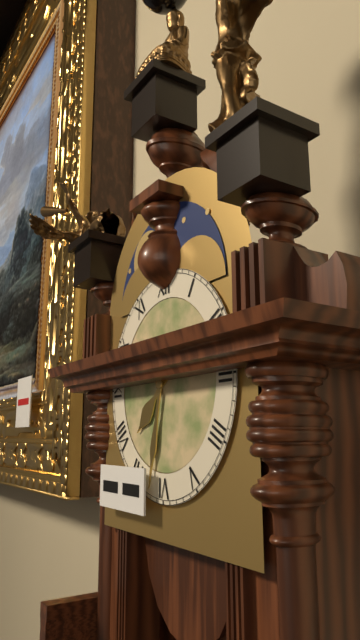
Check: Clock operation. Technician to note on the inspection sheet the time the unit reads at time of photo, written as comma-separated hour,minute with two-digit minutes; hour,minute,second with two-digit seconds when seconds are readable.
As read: 7,32
